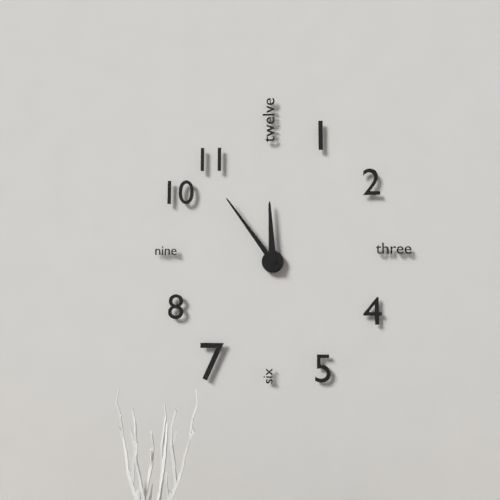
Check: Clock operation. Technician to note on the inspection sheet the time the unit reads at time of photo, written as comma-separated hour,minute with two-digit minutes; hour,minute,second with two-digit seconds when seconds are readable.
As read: 11,54
